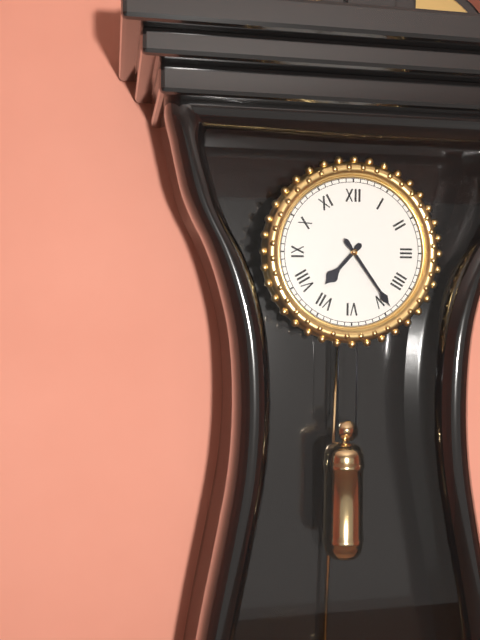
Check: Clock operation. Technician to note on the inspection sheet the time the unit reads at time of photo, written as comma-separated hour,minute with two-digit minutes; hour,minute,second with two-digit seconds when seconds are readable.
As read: 7,24
